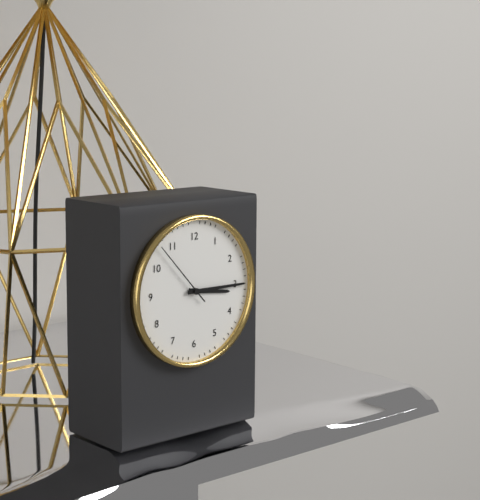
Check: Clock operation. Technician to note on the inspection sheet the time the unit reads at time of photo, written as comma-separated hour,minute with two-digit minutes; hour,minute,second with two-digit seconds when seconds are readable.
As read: 3,15,53
